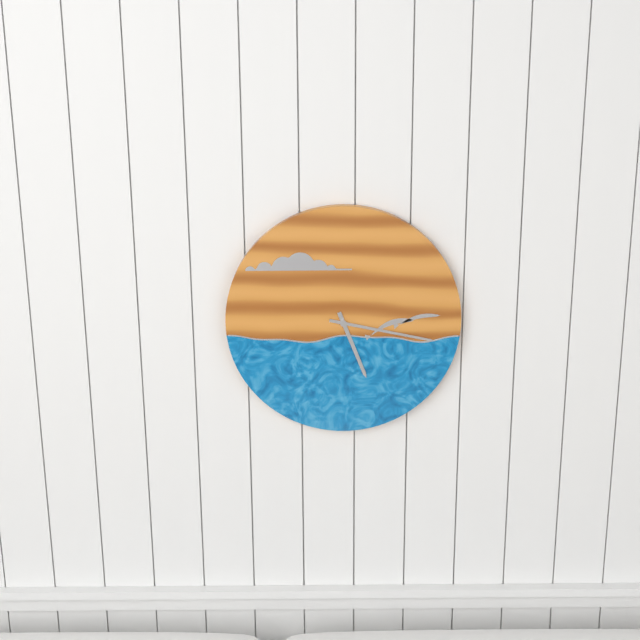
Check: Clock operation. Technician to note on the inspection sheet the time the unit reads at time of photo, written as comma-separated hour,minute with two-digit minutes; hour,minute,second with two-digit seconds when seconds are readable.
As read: 5,17
